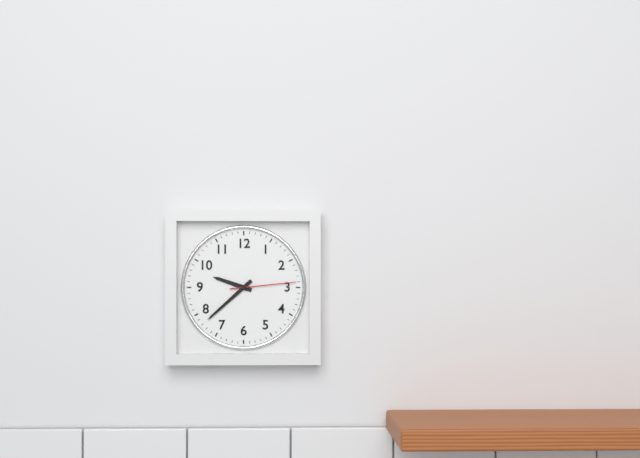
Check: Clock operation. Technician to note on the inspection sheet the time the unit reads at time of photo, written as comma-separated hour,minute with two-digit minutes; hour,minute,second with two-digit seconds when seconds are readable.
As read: 9,38,14
